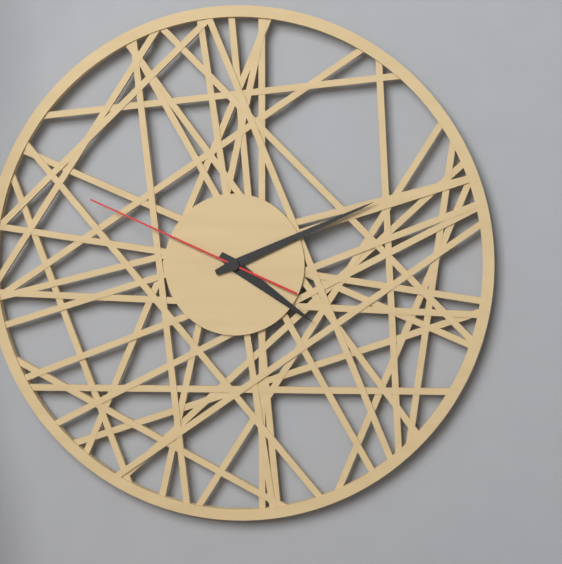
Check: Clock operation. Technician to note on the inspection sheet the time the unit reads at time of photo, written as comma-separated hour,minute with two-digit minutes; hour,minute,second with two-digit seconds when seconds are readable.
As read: 4,11,49
